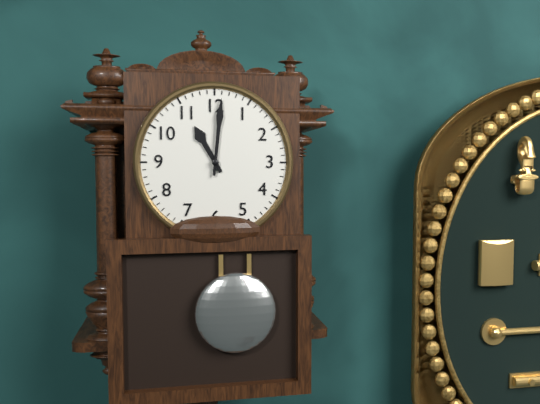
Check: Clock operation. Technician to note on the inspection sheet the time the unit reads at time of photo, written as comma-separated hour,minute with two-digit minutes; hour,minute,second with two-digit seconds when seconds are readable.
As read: 11,01
